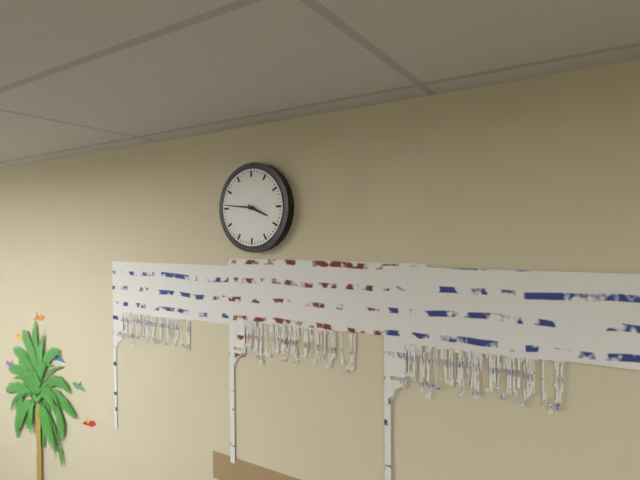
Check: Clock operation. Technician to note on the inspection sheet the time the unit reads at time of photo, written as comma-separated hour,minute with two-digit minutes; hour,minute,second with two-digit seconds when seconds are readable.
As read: 3,46
